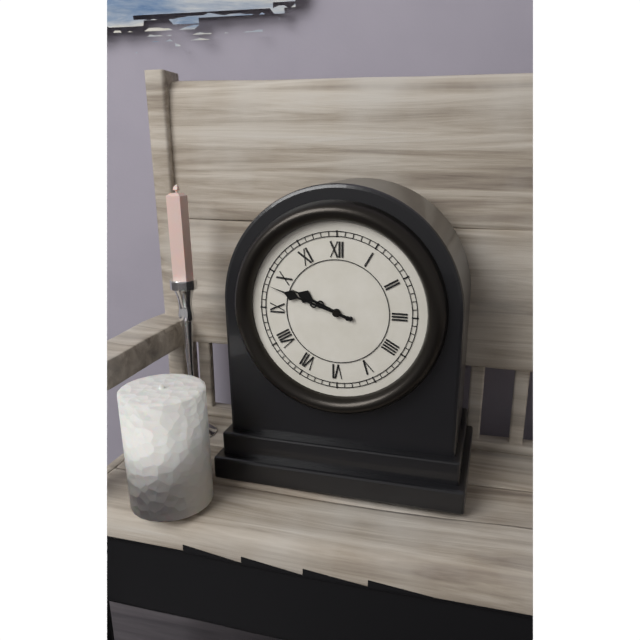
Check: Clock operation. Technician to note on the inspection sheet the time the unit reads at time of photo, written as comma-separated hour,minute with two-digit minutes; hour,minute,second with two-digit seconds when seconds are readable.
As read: 9,48
